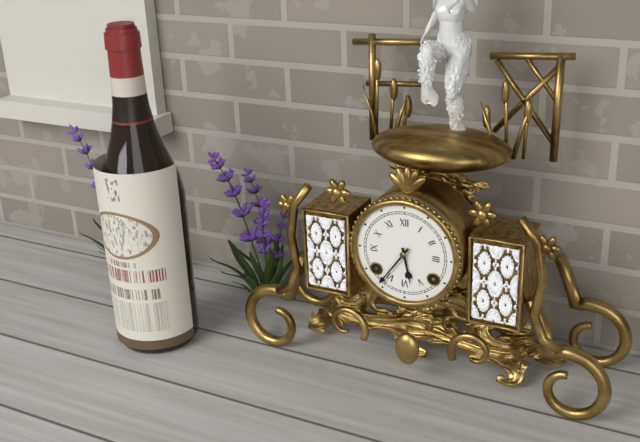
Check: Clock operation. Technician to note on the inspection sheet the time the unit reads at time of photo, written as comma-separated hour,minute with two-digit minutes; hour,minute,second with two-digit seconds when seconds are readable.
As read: 5,36
